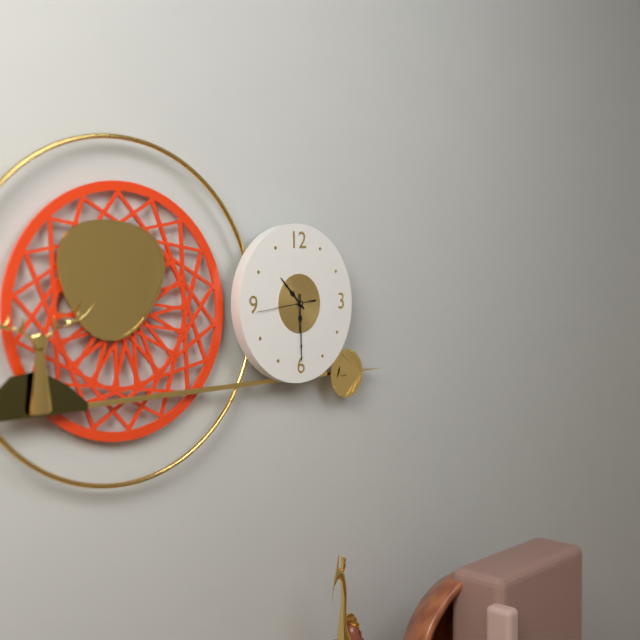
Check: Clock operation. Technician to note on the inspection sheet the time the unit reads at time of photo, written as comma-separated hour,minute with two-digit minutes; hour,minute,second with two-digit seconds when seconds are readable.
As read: 10,30,44
